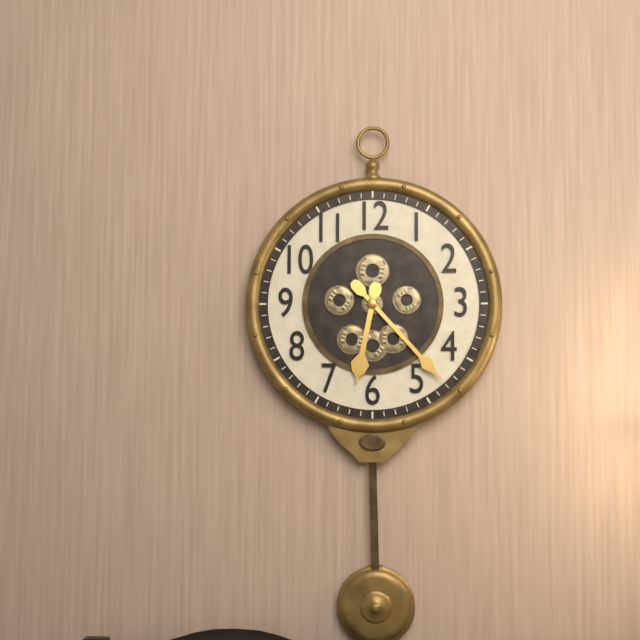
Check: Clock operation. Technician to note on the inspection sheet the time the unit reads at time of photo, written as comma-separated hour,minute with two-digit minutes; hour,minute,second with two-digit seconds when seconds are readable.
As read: 6,23
